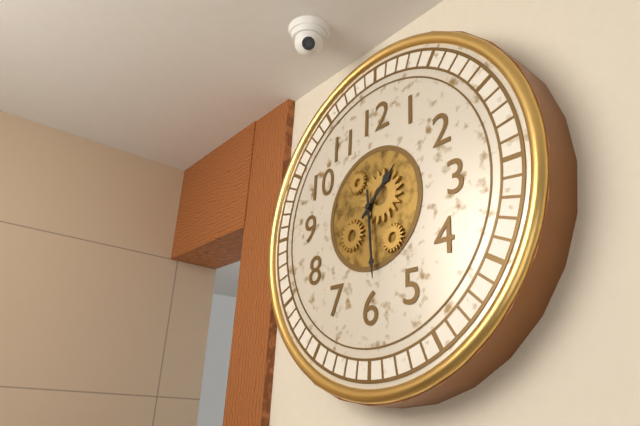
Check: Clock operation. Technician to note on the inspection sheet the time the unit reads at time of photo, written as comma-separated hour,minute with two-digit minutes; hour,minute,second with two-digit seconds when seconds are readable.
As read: 1,29
